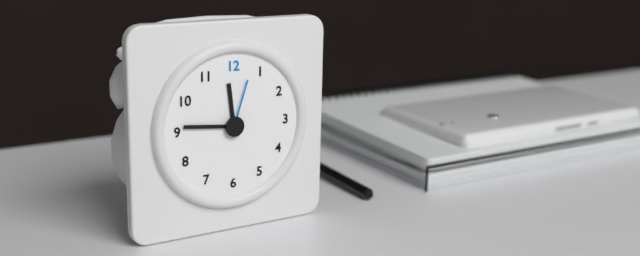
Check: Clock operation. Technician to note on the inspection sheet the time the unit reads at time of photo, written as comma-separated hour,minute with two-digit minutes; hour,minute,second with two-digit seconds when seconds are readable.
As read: 11,46,03
